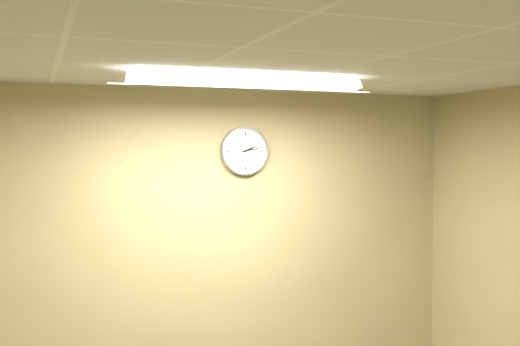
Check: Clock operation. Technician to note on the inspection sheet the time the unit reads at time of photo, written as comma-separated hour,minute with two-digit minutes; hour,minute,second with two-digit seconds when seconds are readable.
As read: 2,13
